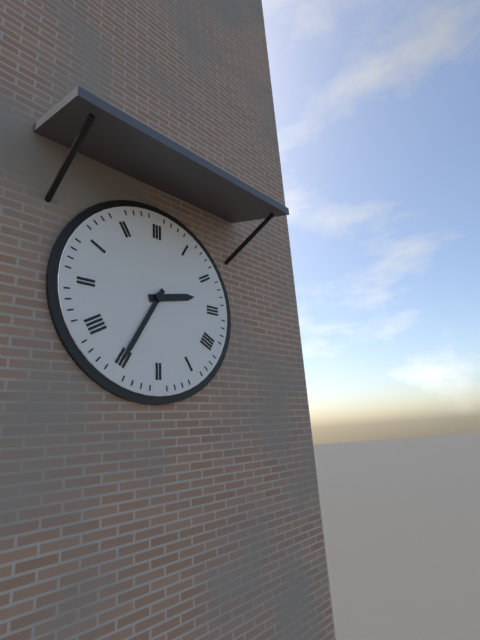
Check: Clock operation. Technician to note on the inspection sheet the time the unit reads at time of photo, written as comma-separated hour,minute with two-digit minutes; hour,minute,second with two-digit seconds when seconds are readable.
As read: 2,35
